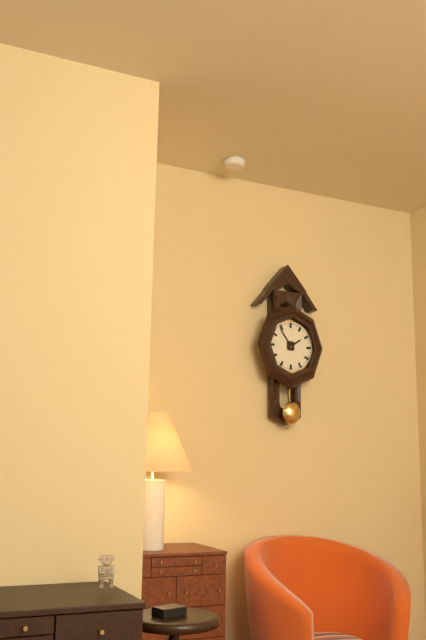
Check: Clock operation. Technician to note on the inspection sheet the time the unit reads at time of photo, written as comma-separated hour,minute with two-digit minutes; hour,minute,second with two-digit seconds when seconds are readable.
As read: 1,54
